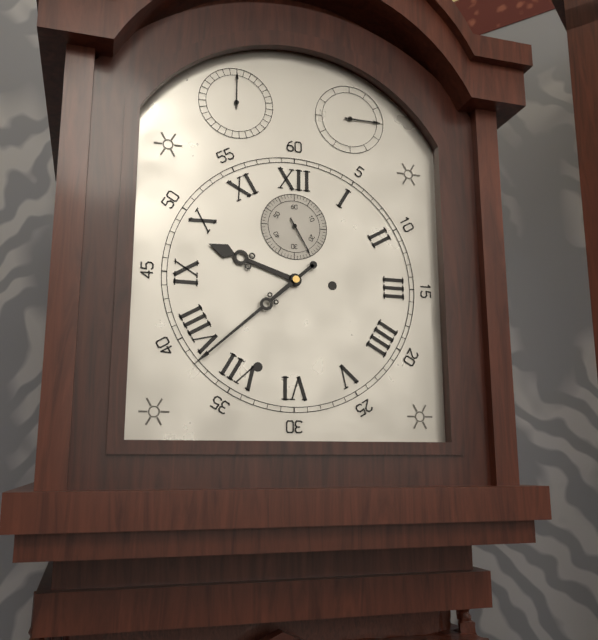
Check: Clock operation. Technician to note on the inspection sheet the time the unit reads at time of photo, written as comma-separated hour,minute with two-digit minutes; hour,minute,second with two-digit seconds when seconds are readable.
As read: 9,38
